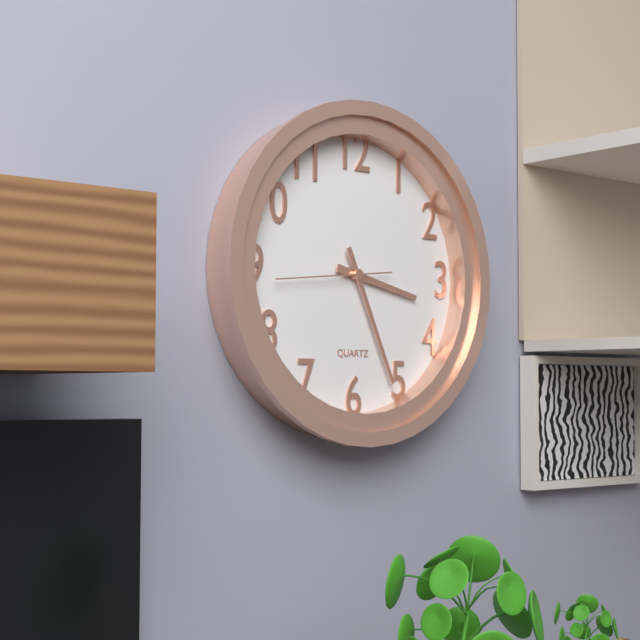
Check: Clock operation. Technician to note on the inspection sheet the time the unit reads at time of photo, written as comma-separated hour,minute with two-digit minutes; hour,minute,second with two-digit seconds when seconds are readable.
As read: 3,26,44
